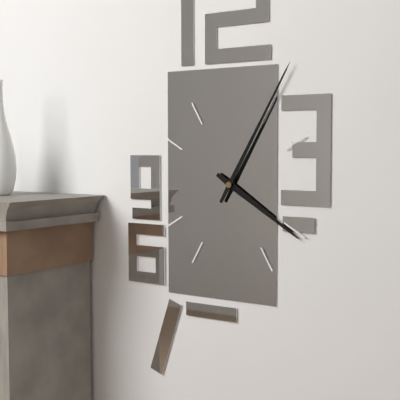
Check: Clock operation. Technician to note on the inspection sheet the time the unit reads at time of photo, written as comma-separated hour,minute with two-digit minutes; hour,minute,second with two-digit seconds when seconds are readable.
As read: 4,05
